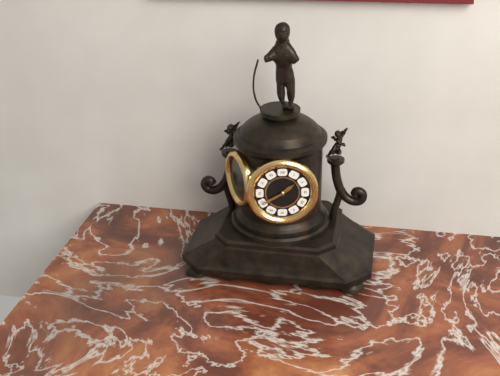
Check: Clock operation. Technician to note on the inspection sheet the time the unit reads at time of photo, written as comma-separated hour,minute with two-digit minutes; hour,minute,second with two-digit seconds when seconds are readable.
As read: 1,40
